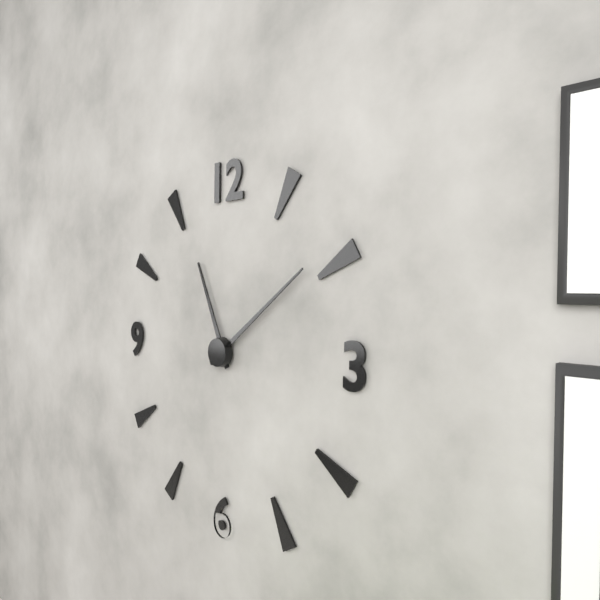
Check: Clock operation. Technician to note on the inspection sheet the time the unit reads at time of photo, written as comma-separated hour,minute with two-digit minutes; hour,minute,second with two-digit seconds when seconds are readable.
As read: 11,09
